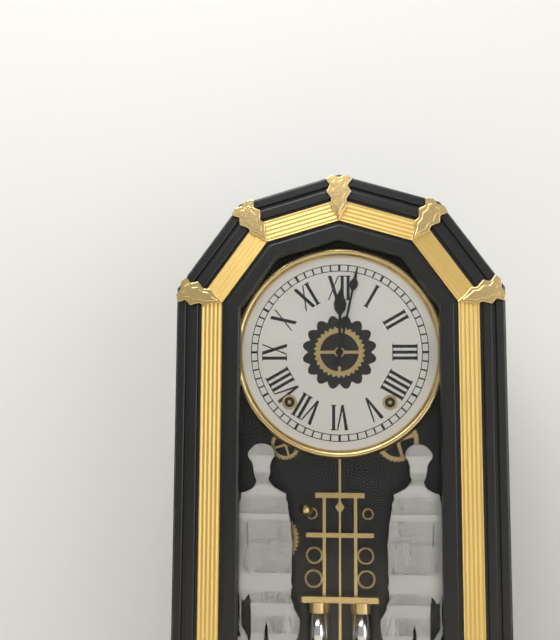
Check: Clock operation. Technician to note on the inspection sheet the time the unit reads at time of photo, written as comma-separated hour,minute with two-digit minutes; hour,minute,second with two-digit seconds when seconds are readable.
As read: 12,02
